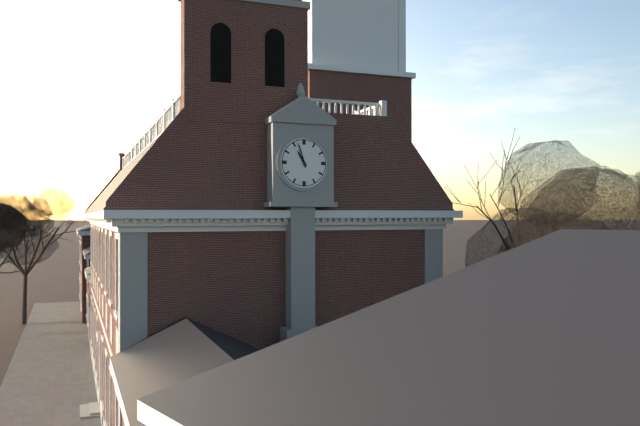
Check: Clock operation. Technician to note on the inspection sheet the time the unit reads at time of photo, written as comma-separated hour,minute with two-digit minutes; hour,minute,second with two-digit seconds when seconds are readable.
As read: 10,57
